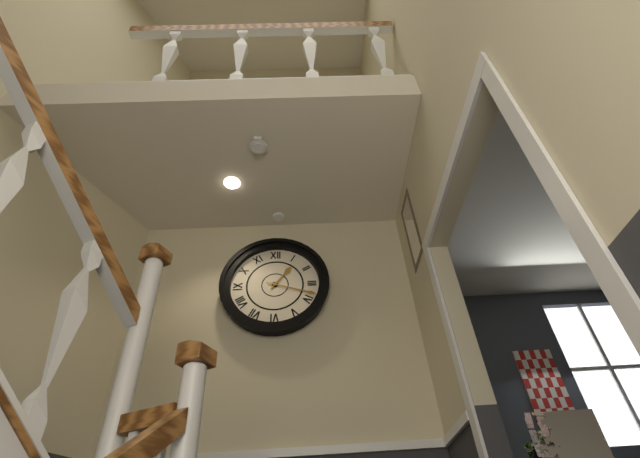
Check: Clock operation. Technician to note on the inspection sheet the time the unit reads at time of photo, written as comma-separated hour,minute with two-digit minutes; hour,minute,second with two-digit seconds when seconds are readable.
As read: 1,18
